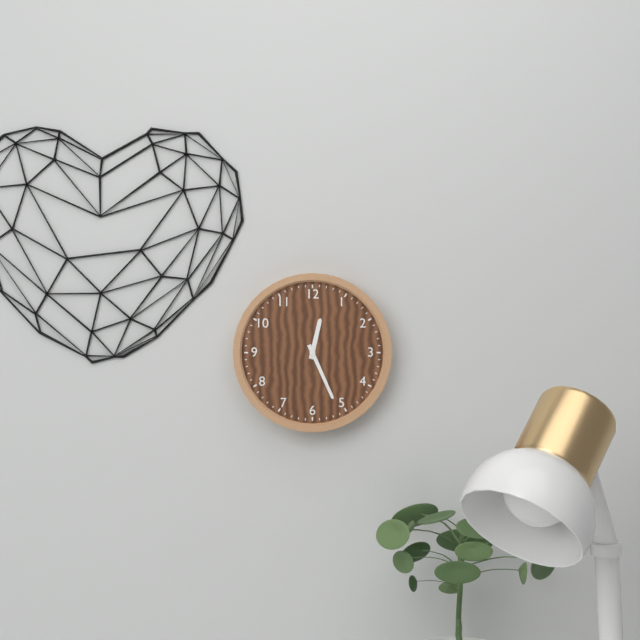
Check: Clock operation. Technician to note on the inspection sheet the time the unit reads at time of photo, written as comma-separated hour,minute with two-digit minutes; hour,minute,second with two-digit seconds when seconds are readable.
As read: 12,26
